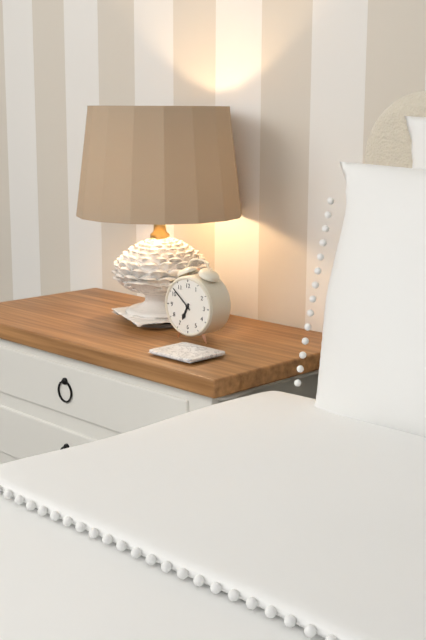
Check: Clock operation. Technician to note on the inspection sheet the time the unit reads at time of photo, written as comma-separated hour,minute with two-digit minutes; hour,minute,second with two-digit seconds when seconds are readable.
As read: 6,52
